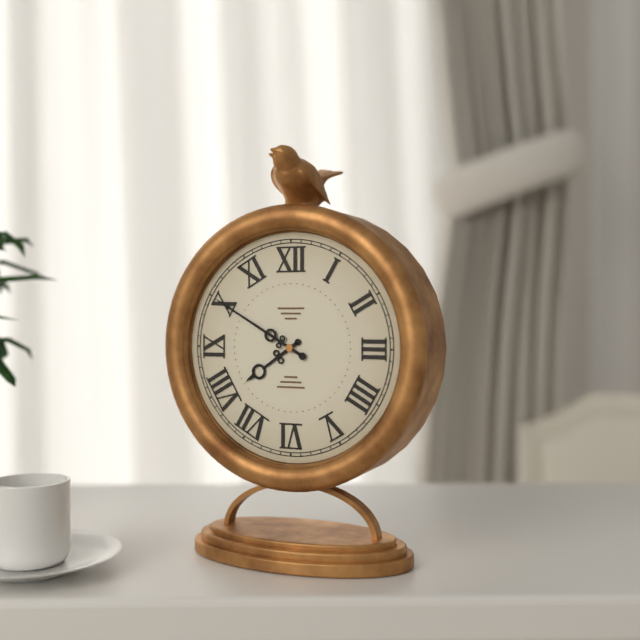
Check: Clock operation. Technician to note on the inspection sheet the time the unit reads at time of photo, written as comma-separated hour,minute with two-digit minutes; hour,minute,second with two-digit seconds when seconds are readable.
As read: 7,50
